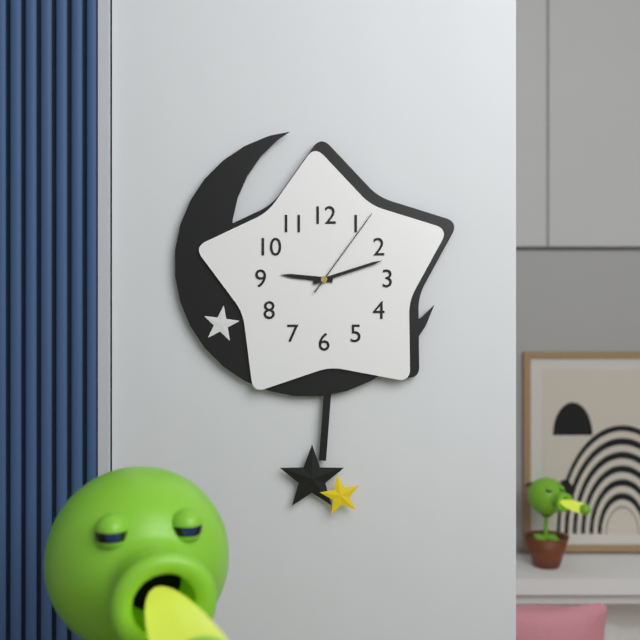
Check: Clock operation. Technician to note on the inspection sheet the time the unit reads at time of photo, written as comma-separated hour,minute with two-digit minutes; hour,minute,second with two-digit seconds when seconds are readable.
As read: 9,12,06
